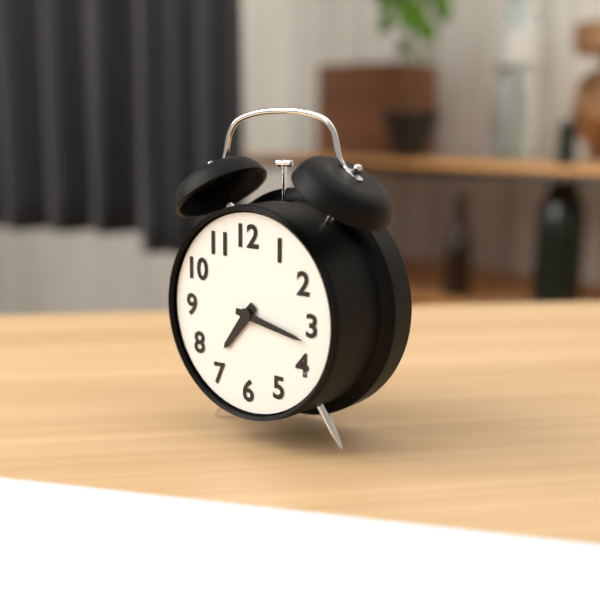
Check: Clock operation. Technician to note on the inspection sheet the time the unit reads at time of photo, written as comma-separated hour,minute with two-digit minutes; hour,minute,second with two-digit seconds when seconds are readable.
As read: 7,17
